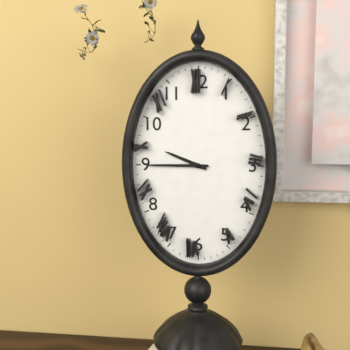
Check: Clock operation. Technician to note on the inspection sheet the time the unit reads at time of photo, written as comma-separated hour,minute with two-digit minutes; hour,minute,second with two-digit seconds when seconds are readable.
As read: 9,45
